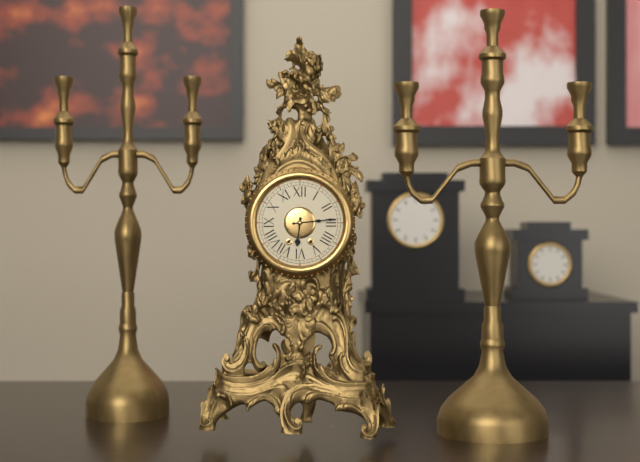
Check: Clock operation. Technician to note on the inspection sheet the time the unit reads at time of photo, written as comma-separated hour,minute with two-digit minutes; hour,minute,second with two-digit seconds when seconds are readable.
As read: 6,14
